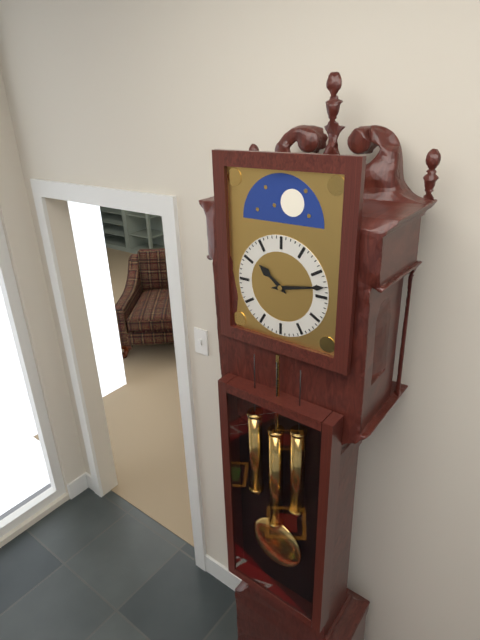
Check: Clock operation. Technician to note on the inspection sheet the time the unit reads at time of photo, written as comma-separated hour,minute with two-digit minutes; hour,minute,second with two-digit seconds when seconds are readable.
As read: 10,13
